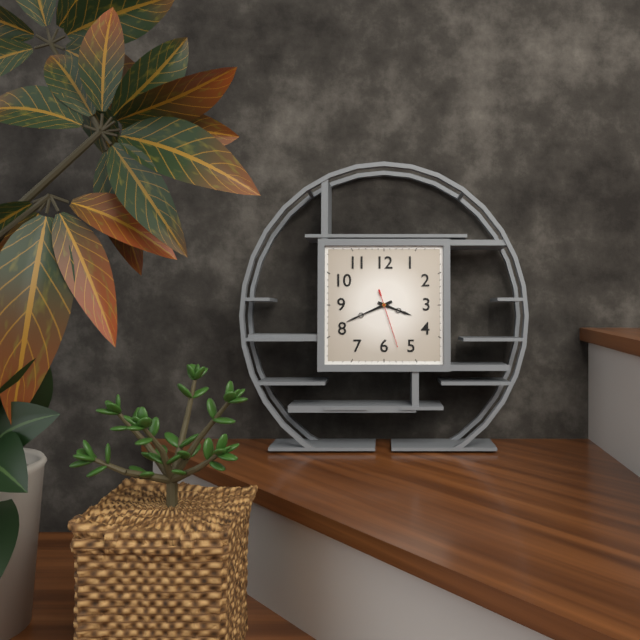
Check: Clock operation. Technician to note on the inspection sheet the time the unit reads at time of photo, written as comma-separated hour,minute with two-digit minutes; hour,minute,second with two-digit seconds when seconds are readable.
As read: 3,41,27
